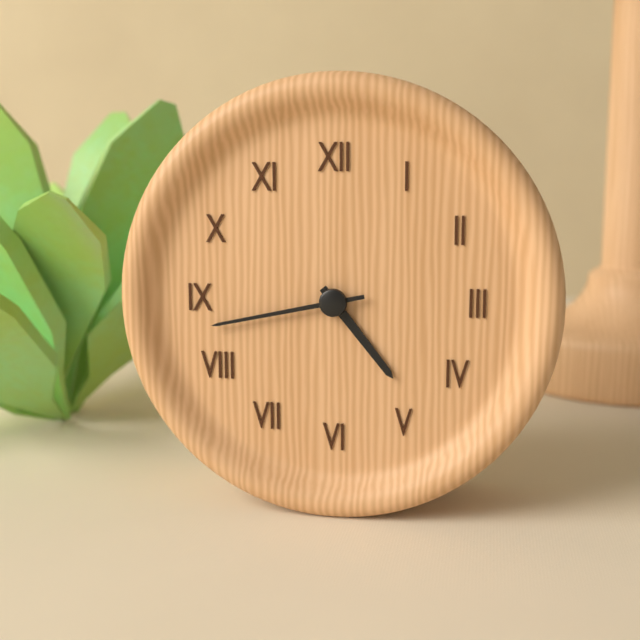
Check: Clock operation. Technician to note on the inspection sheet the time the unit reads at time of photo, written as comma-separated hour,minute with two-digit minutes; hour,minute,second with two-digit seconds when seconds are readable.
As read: 4,43
